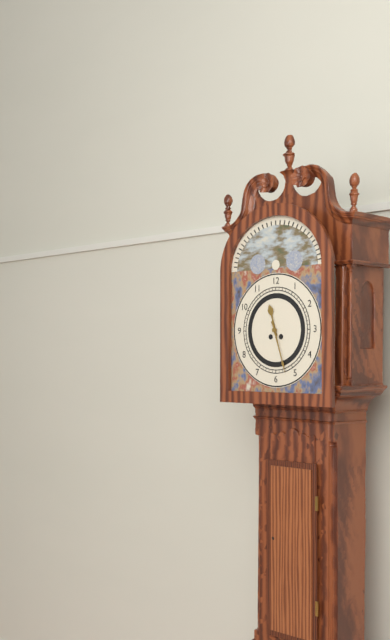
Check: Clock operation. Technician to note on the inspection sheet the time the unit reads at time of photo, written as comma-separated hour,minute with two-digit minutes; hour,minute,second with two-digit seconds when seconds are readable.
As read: 11,27
